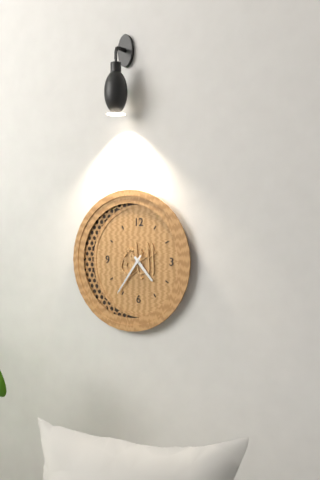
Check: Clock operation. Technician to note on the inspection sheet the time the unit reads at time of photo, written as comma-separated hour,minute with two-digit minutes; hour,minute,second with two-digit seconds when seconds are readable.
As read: 4,36
